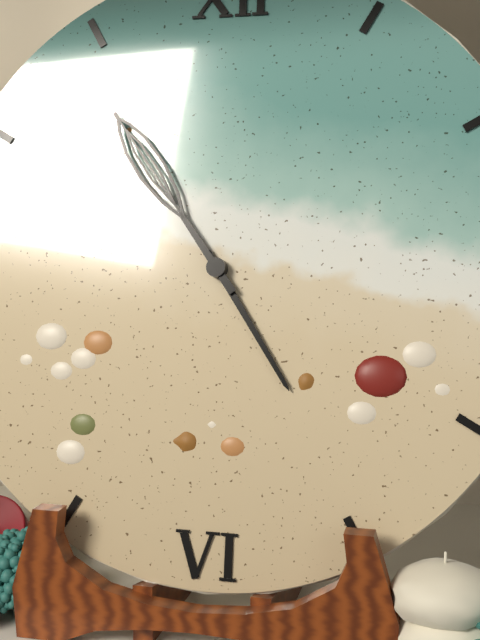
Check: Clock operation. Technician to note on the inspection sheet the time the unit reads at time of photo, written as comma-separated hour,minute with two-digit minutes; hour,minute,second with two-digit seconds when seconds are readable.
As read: 4,54
